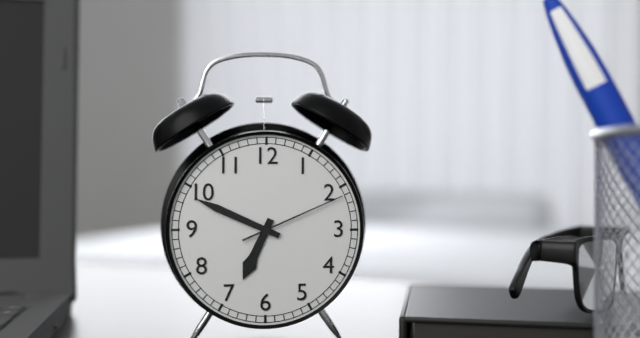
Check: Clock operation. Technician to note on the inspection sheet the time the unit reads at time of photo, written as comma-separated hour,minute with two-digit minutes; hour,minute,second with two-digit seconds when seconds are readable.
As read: 6,49,11
